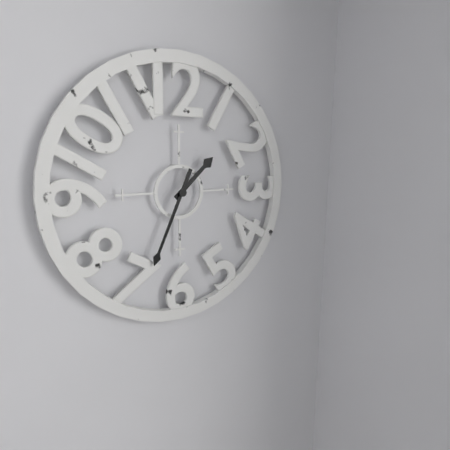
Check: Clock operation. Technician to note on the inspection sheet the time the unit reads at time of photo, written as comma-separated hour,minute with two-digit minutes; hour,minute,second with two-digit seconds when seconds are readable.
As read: 1,34
